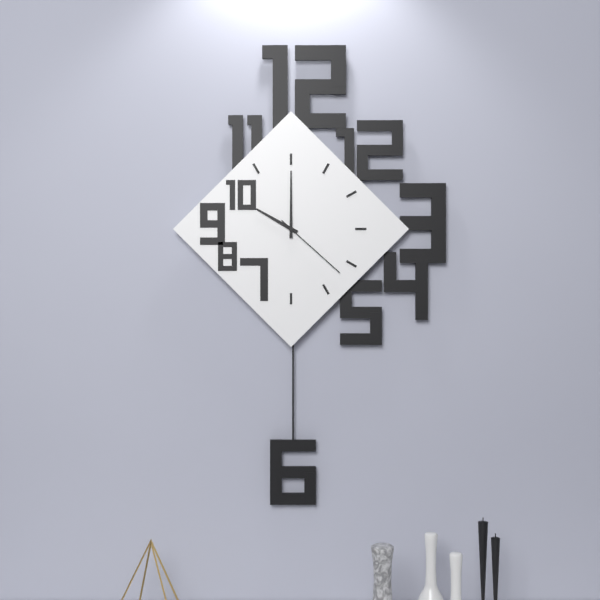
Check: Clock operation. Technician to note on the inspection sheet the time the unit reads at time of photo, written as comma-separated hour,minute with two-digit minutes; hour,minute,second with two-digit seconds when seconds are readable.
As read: 10,00,22
